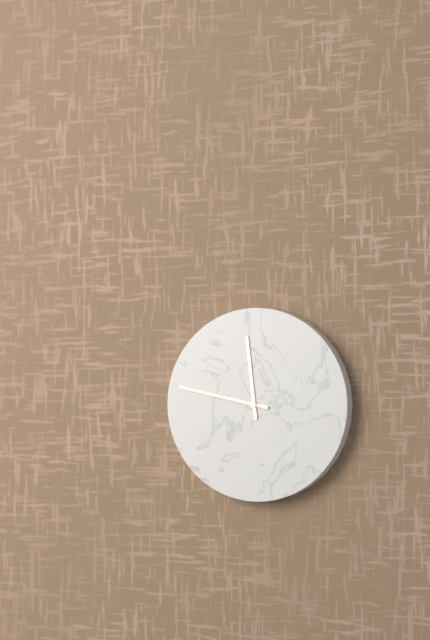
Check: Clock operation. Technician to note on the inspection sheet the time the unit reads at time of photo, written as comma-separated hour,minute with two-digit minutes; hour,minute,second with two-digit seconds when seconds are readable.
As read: 11,47
